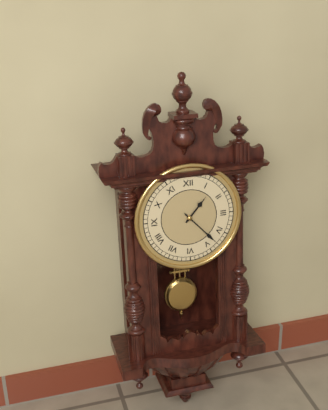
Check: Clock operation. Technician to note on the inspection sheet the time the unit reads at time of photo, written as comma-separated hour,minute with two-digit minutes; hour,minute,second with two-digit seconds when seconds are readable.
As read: 1,23
